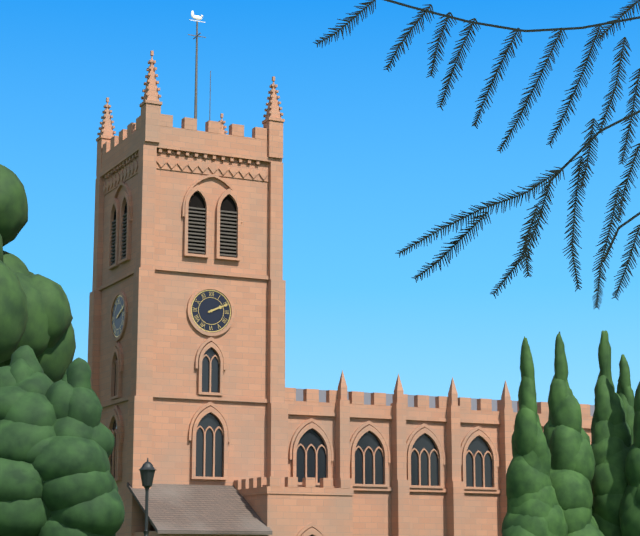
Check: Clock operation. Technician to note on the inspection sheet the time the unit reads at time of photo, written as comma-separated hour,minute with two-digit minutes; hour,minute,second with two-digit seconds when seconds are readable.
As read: 2,11
